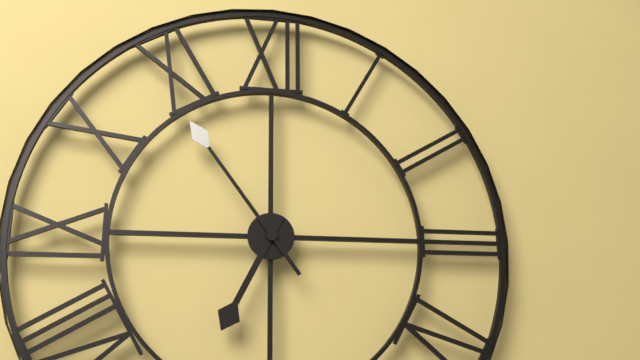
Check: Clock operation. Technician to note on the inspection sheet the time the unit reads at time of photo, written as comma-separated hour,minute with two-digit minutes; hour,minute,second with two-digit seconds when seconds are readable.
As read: 6,54
